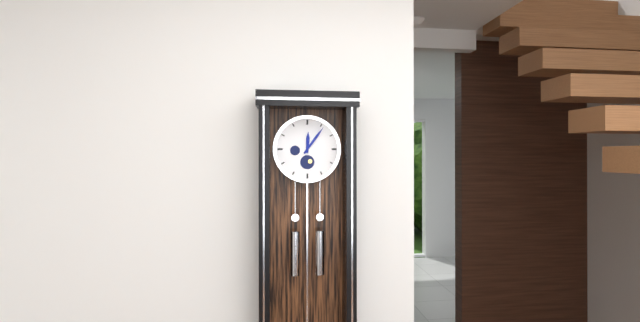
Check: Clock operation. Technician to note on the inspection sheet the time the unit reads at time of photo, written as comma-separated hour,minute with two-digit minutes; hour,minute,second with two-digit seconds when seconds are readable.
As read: 12,06
